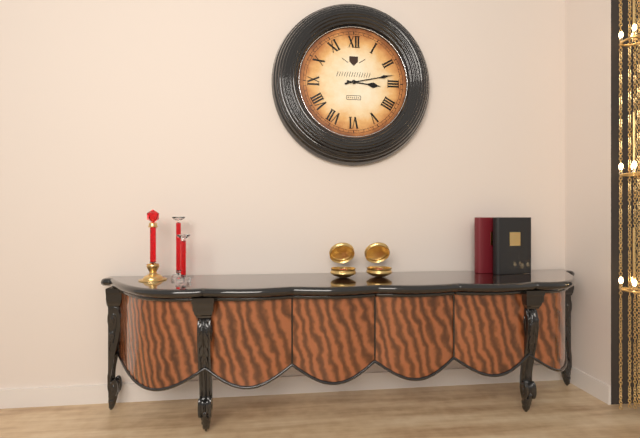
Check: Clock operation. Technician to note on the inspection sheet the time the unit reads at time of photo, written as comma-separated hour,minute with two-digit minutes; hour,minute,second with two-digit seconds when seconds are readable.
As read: 3,13
